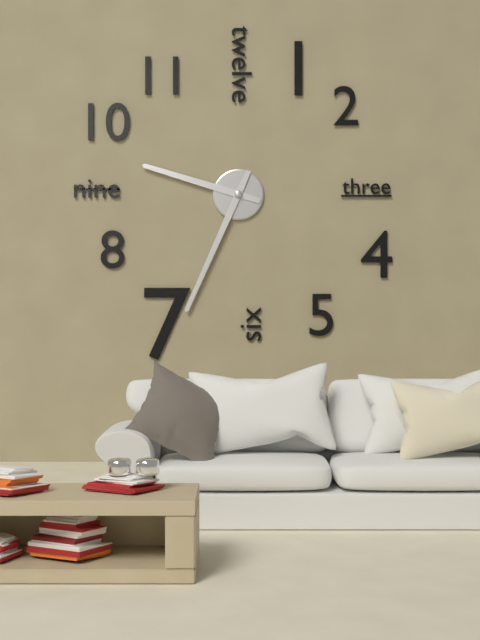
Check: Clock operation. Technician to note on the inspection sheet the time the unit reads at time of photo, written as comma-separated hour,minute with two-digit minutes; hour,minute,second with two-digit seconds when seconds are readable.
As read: 9,34
